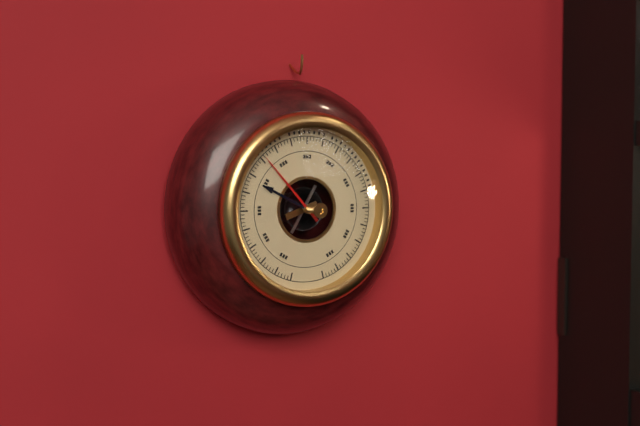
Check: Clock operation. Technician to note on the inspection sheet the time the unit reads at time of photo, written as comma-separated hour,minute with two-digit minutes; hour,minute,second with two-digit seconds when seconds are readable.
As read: 9,53
